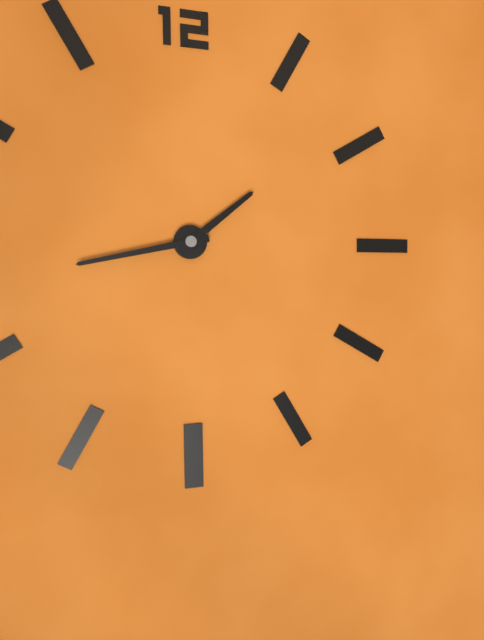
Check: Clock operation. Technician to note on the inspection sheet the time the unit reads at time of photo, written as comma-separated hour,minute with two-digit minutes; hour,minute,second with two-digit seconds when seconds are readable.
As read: 1,43
